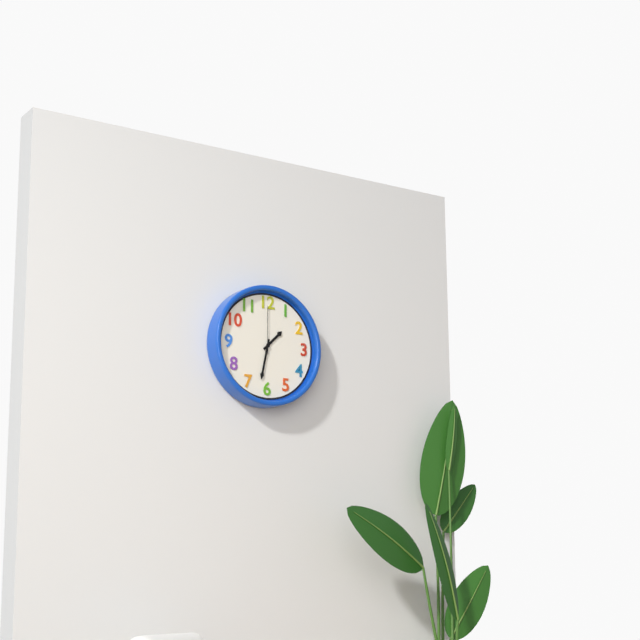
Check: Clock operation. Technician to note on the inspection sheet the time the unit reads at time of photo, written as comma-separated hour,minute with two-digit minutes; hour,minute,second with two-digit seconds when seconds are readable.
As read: 1,32
